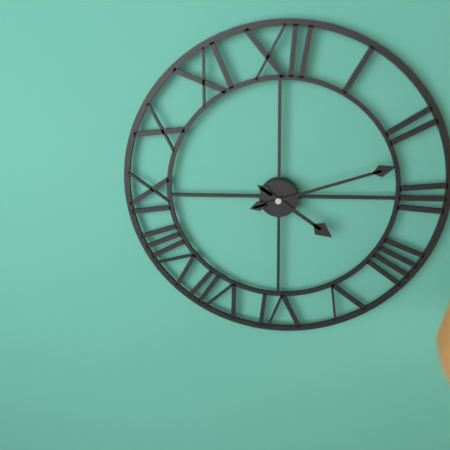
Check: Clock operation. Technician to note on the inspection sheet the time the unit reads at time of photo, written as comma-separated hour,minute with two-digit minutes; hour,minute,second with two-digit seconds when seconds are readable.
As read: 4,12
